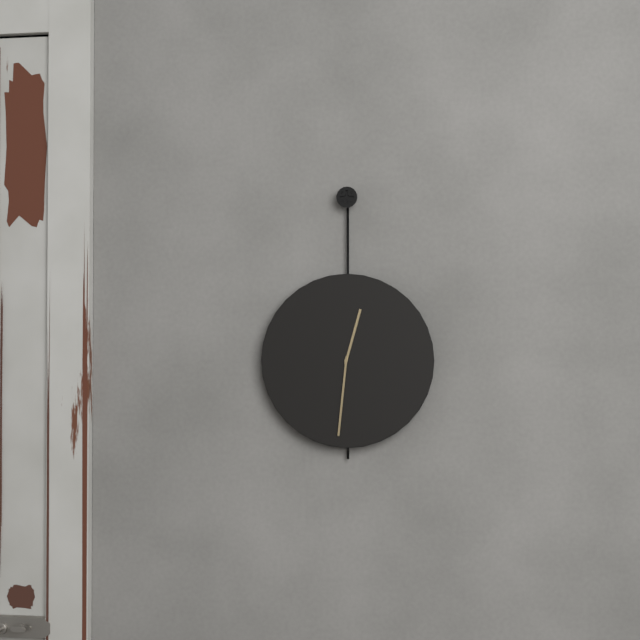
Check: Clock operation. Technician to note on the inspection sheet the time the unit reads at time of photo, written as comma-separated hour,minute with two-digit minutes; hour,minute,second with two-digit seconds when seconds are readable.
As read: 12,31
